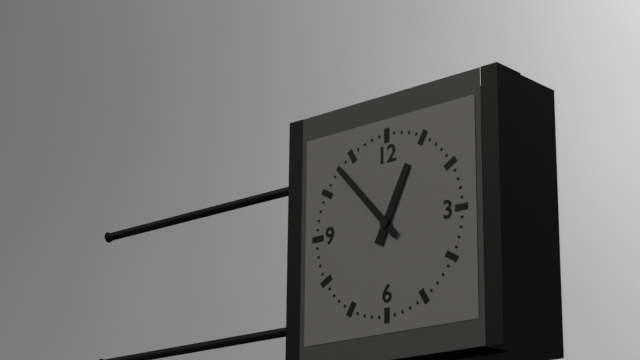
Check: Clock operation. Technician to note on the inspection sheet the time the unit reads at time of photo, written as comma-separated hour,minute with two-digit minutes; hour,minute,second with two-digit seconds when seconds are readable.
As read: 12,53
